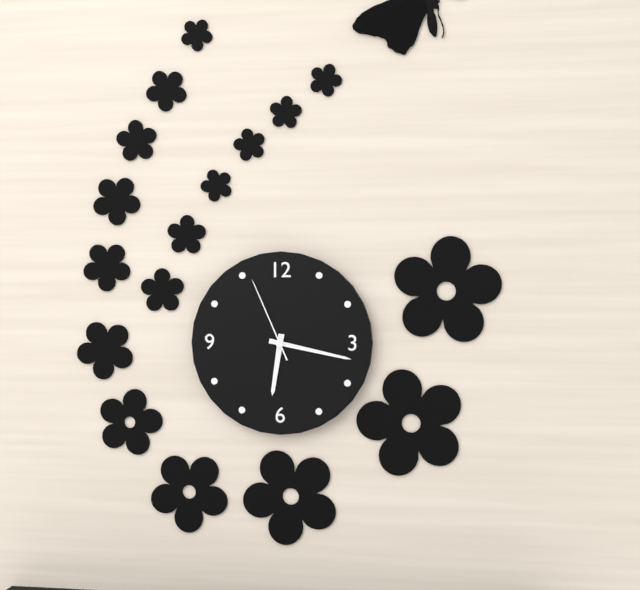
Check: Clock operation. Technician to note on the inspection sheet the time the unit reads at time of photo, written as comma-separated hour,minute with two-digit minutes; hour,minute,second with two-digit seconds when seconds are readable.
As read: 6,17,56
